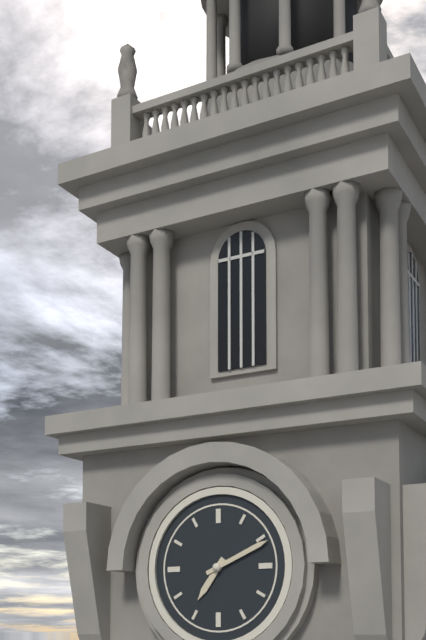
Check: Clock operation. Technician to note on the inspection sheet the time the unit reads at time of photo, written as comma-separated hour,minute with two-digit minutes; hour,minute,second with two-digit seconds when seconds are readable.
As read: 7,11
